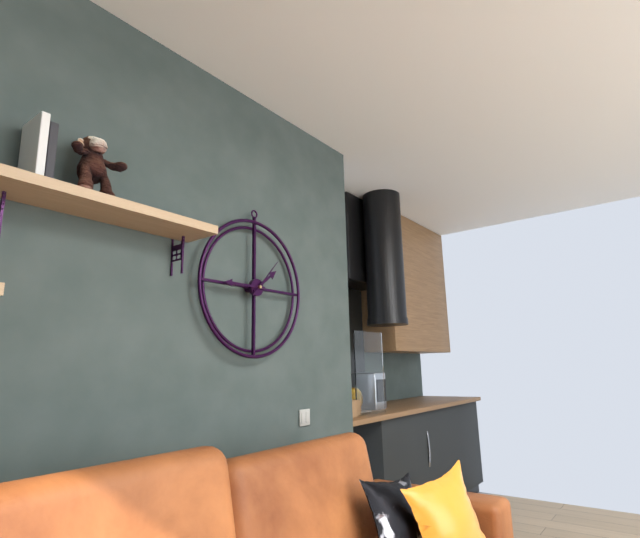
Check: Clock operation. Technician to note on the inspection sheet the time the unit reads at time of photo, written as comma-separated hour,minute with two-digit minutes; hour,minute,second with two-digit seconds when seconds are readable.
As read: 1,45
